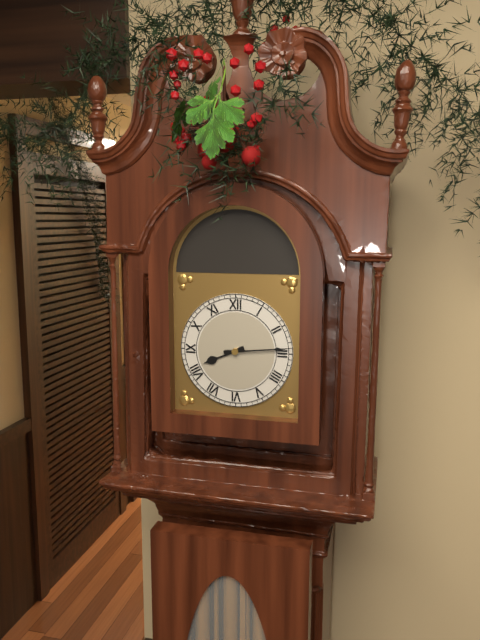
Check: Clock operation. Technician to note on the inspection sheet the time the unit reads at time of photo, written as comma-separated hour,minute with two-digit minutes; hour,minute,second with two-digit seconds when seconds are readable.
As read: 8,14
